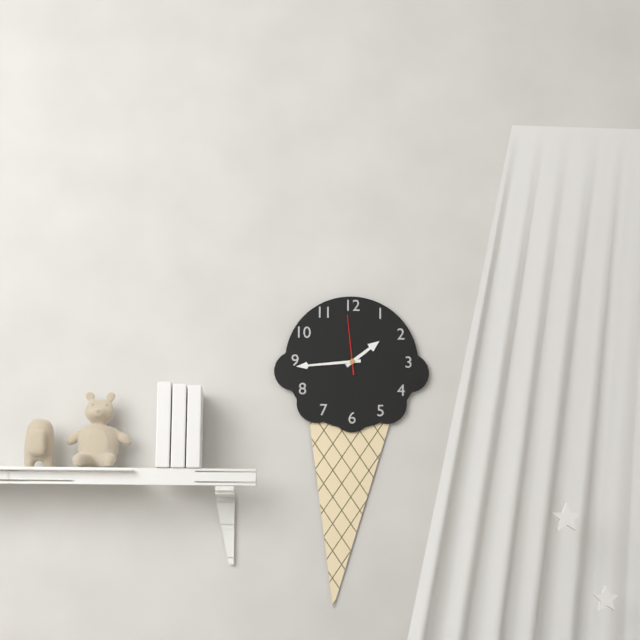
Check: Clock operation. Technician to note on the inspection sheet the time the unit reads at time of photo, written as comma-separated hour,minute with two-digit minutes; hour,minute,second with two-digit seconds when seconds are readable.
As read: 1,44,59
